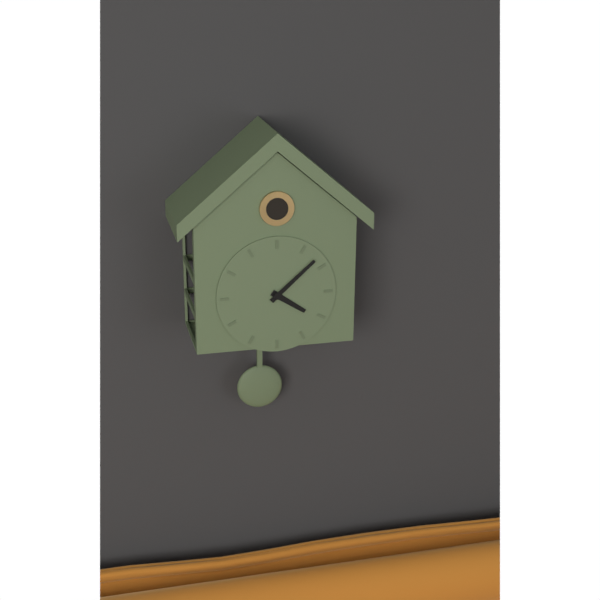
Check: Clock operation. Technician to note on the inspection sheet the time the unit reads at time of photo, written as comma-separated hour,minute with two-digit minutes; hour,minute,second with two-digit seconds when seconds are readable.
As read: 4,08
